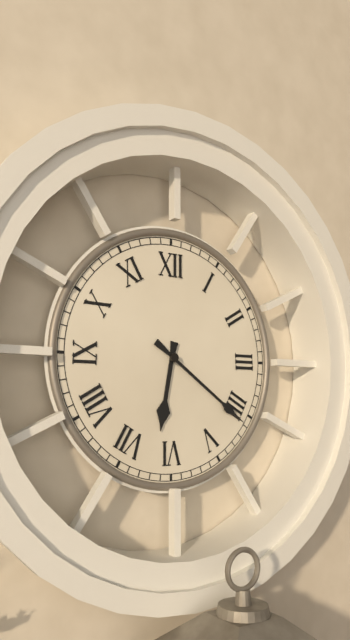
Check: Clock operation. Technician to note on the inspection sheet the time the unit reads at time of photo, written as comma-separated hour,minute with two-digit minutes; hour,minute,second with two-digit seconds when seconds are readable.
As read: 6,21
